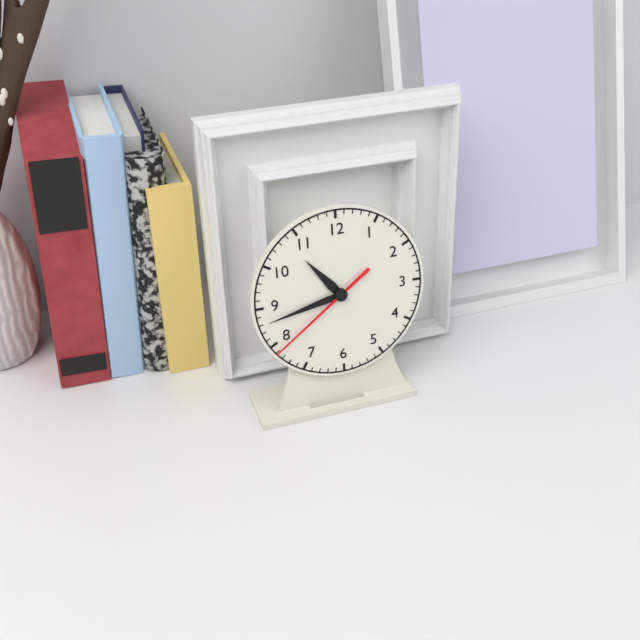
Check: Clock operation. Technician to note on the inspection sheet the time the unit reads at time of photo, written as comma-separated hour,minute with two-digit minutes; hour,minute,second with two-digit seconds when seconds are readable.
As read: 10,43,39
